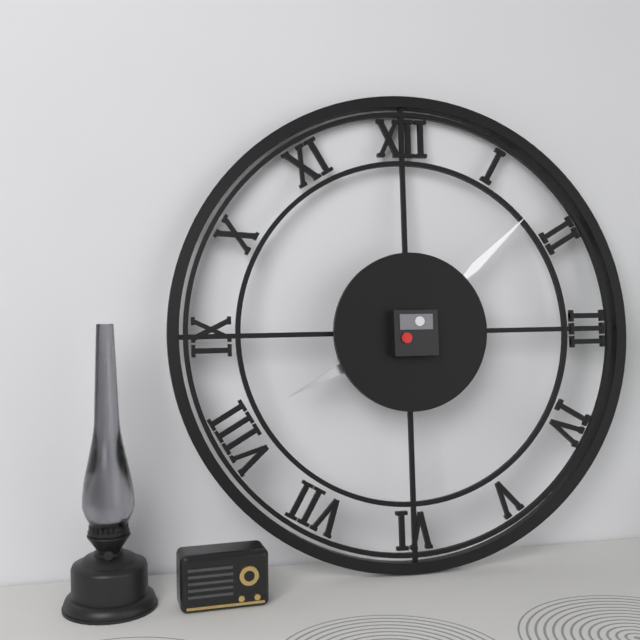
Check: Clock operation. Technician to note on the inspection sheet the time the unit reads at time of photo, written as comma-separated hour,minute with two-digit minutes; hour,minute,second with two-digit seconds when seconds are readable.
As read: 8,08
